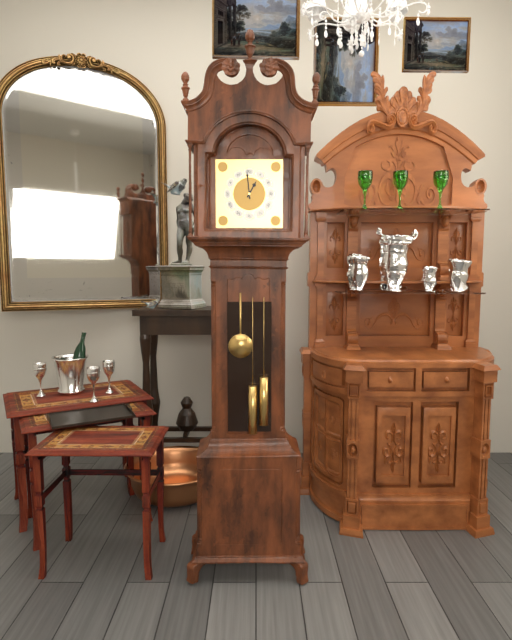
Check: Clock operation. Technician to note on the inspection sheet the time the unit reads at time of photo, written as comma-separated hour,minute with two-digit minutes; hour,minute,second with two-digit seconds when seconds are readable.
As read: 12,59
